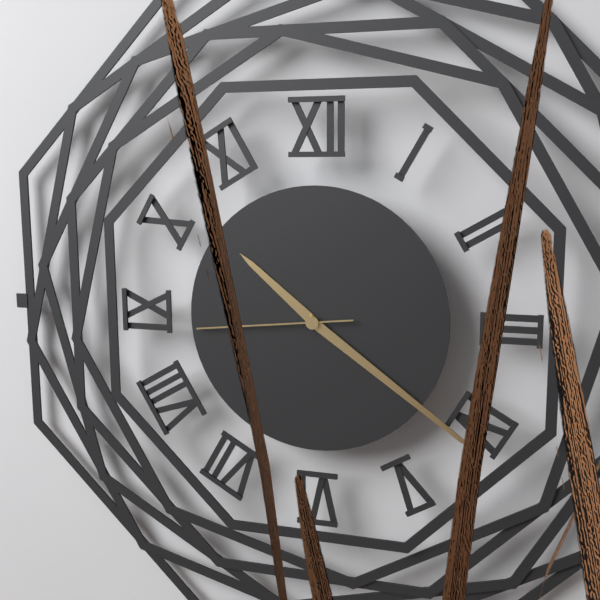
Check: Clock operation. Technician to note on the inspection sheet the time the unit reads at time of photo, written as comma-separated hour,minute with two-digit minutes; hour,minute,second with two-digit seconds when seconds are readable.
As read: 10,21,44
